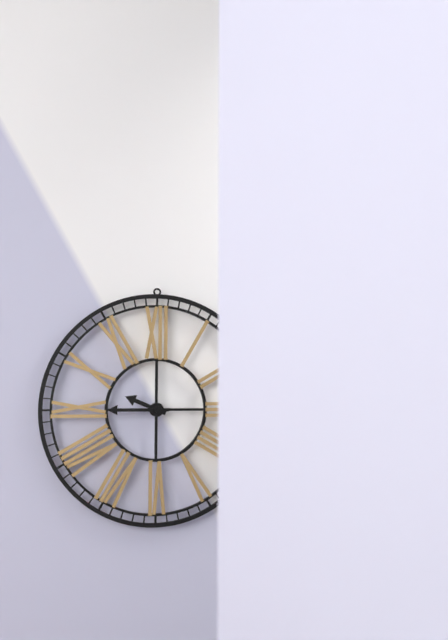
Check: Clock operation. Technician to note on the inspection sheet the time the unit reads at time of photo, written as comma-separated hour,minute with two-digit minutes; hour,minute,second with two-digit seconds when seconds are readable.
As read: 9,45
